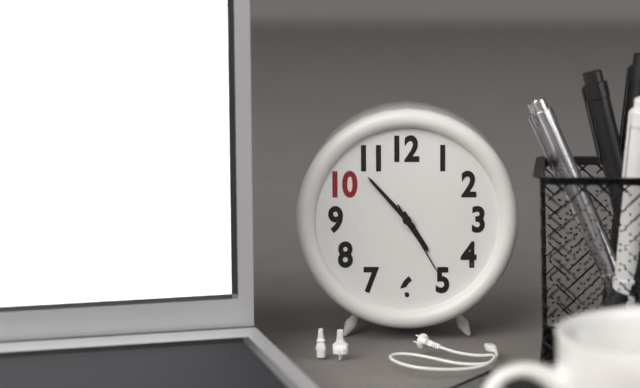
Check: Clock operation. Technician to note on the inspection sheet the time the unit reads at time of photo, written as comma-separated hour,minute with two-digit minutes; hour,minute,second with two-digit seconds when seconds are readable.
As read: 4,53,25
